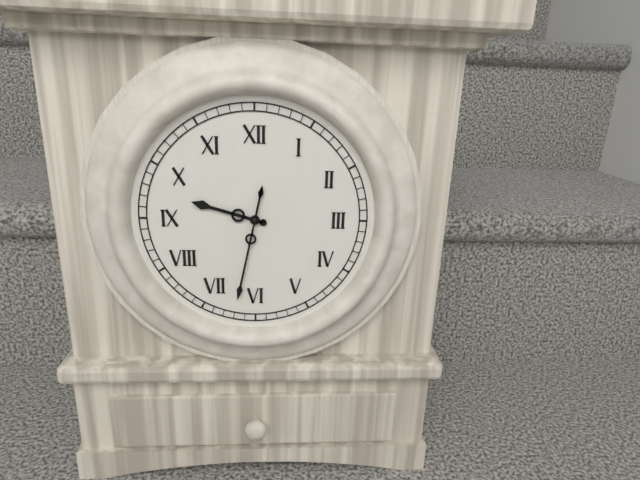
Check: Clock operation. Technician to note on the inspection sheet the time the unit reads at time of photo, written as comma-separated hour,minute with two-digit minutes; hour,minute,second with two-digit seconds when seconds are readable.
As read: 9,32
